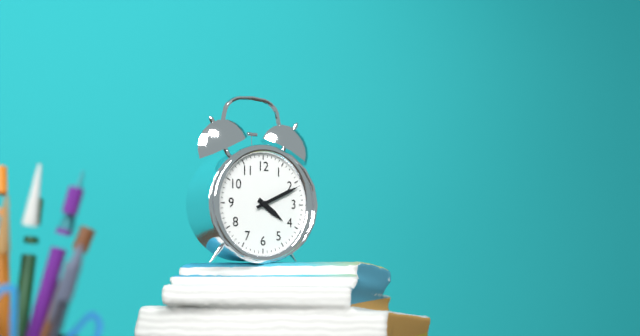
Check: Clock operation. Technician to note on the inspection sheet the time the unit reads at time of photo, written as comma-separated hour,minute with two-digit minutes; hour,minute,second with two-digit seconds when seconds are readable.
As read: 4,11
